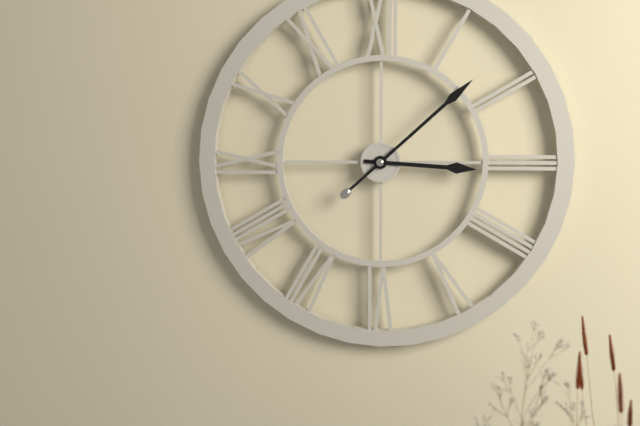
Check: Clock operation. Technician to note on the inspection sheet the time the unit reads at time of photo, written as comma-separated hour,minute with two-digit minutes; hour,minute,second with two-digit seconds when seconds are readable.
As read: 3,08
